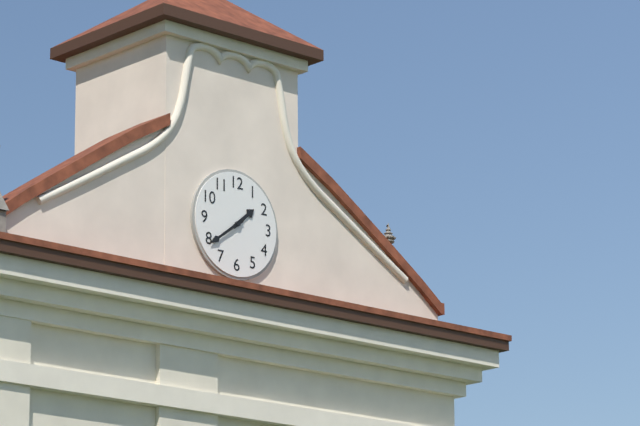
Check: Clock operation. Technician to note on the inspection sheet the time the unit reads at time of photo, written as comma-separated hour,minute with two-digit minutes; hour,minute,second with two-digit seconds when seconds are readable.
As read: 1,39
